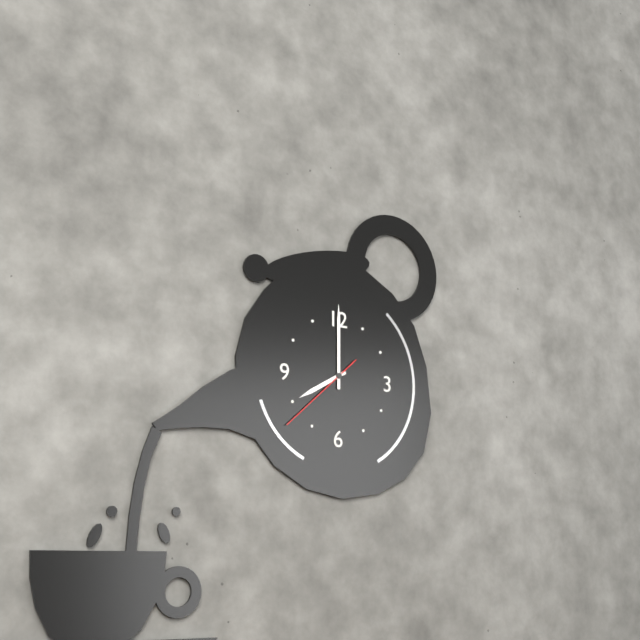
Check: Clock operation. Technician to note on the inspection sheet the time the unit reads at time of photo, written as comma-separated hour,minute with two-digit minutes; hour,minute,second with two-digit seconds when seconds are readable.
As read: 8,00,38
